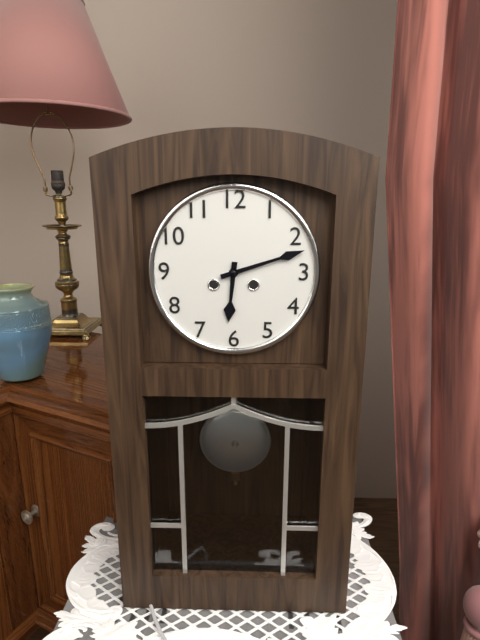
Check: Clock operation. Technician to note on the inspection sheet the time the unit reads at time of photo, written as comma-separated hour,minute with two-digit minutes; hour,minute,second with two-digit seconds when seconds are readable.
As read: 6,12
